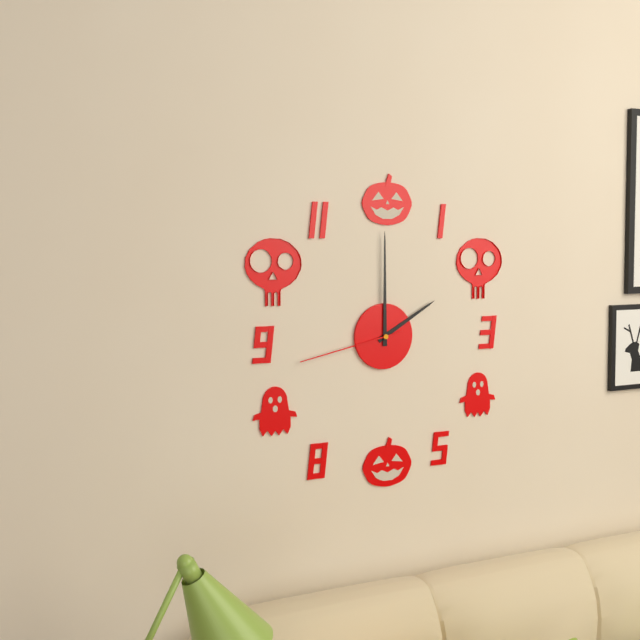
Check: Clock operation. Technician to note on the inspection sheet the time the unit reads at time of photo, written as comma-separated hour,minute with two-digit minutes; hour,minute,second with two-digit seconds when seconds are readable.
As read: 2,00,43
